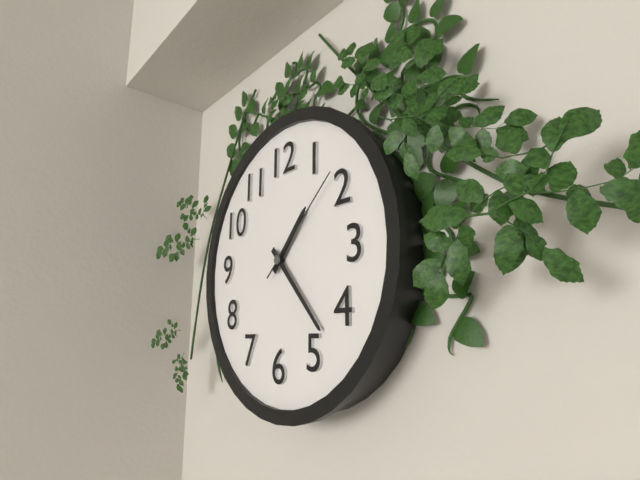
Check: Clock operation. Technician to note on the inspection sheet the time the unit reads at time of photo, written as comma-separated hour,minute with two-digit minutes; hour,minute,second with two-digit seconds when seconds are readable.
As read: 1,23,08
